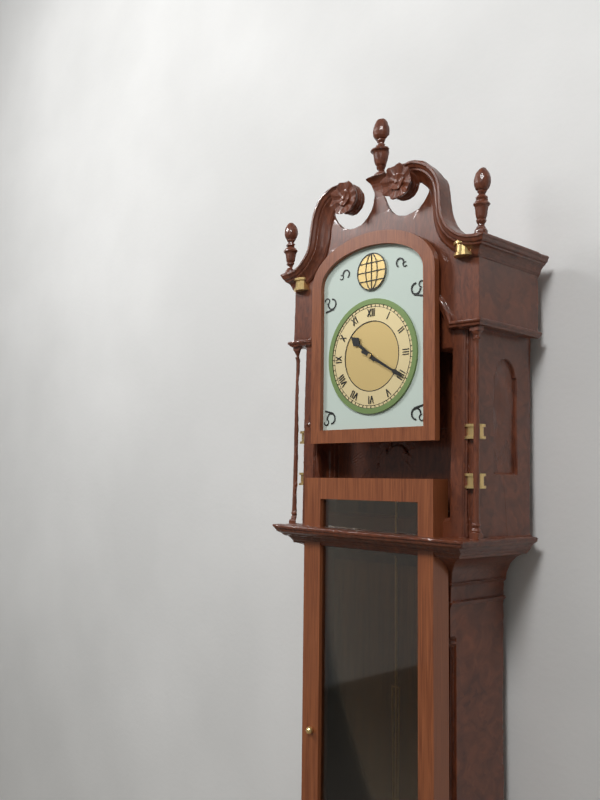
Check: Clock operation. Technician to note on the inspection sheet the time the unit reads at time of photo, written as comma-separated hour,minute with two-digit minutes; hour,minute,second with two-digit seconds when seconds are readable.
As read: 10,20
